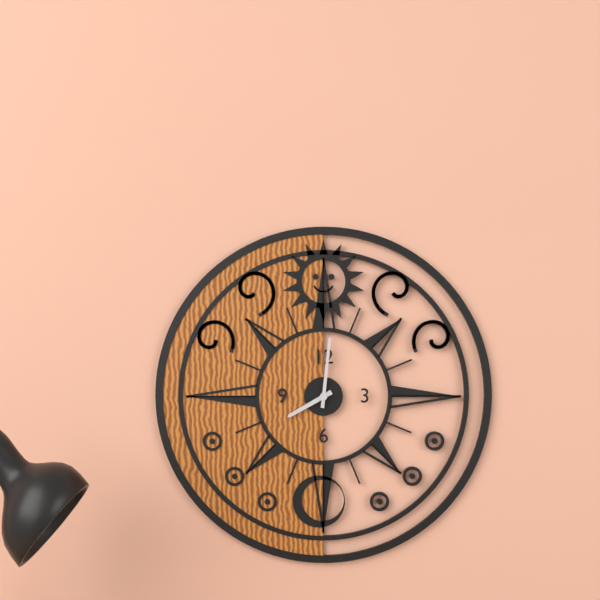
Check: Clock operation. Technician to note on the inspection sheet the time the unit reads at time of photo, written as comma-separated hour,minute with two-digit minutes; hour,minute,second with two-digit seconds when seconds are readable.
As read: 8,01
